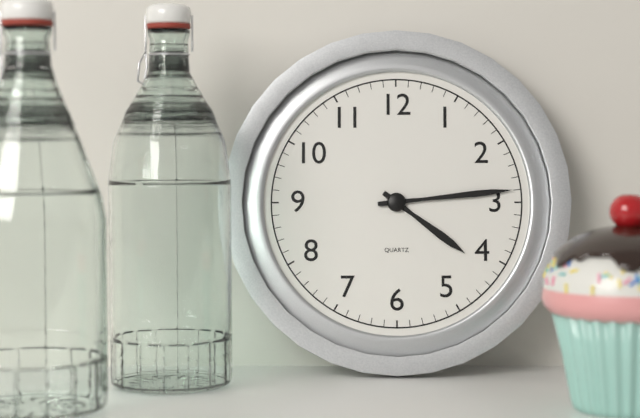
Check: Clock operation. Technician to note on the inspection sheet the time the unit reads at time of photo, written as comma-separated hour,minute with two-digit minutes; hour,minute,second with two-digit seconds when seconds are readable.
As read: 4,14
